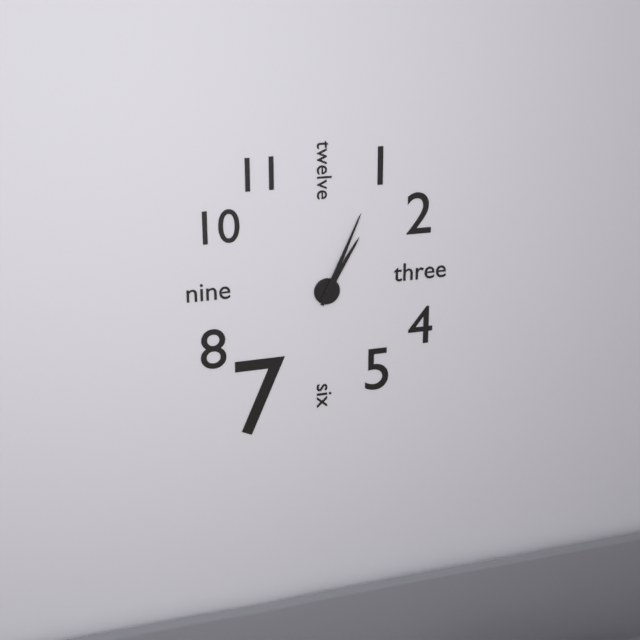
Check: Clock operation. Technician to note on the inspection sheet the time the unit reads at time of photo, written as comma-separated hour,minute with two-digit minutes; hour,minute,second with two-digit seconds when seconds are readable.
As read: 1,04
